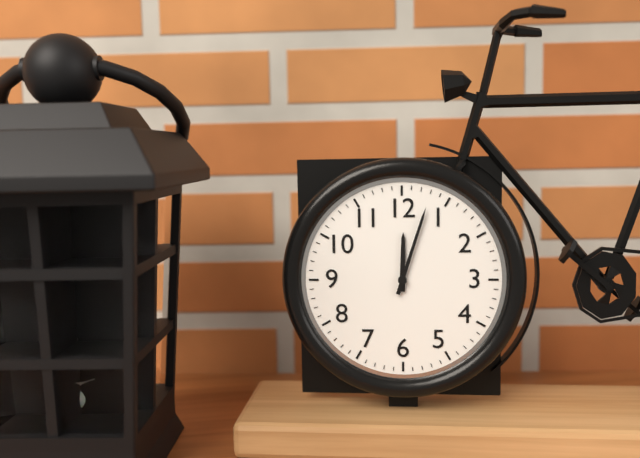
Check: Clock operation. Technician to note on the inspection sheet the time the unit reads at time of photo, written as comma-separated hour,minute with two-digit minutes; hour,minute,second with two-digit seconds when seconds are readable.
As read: 12,03
